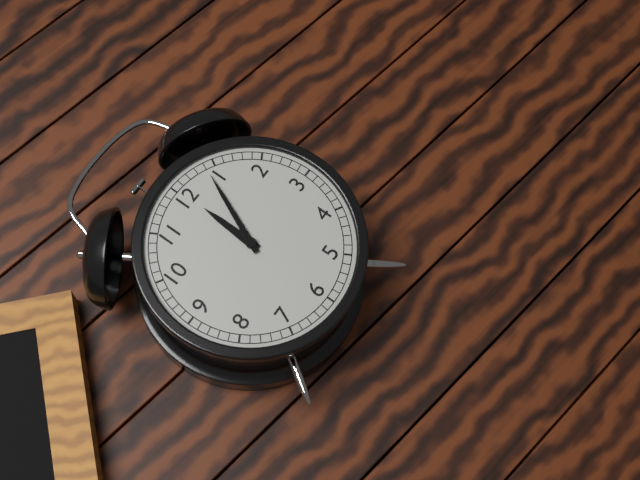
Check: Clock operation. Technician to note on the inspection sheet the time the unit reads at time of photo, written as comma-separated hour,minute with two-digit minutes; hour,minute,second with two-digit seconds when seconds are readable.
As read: 12,04
